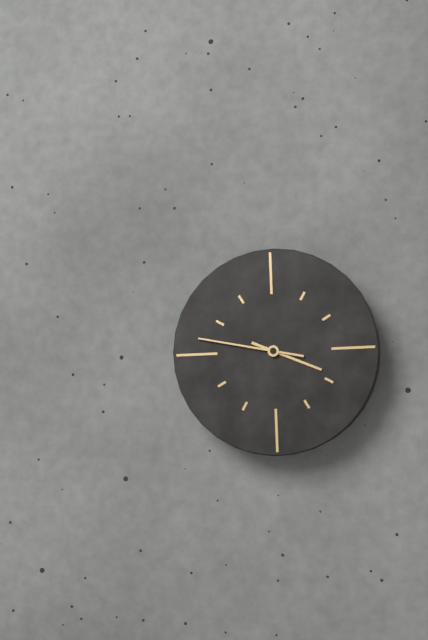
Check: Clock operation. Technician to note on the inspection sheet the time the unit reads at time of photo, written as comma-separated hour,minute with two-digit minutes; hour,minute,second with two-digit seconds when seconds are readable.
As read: 3,47
